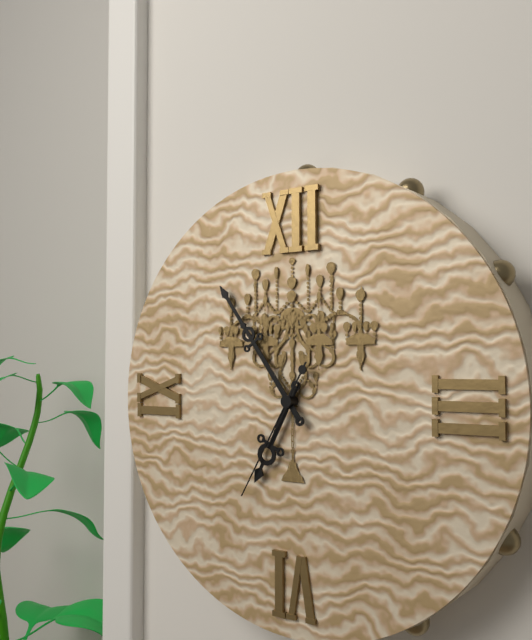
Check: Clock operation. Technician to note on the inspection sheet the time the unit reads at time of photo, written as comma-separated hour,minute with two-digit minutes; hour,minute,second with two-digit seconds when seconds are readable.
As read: 6,54,35
